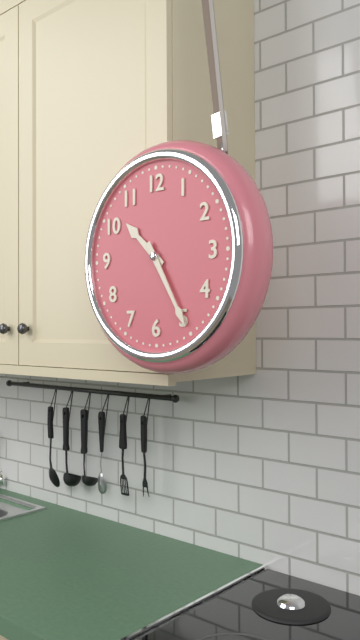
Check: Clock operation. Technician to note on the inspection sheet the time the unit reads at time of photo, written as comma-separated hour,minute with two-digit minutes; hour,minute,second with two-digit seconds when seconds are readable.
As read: 10,25
